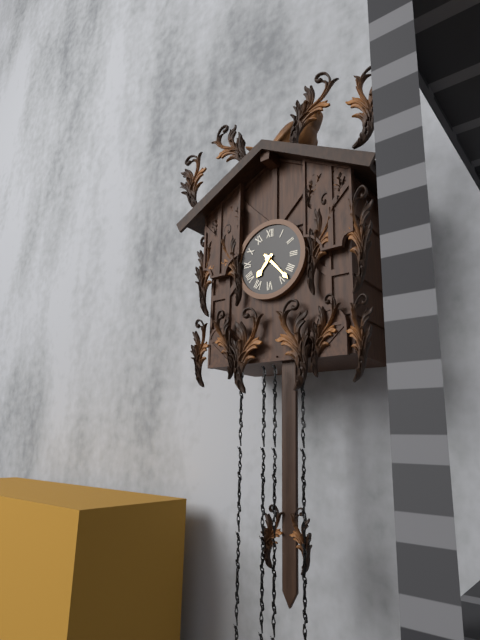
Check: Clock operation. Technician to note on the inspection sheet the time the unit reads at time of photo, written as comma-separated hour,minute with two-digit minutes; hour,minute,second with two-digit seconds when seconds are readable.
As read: 7,23
